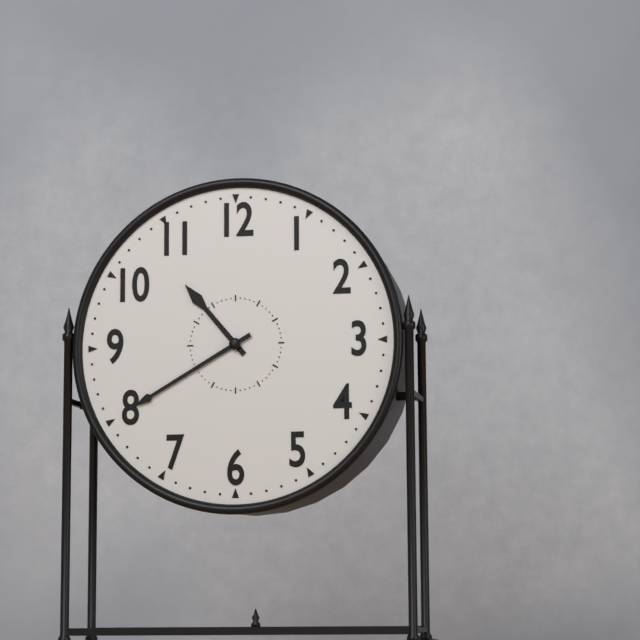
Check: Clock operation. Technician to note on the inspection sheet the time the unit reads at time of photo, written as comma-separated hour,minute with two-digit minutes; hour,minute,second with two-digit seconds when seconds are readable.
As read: 10,40
